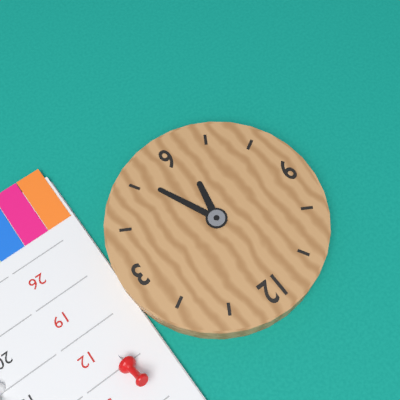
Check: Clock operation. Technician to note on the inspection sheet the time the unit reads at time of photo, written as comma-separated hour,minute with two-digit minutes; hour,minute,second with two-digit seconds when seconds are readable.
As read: 6,26
